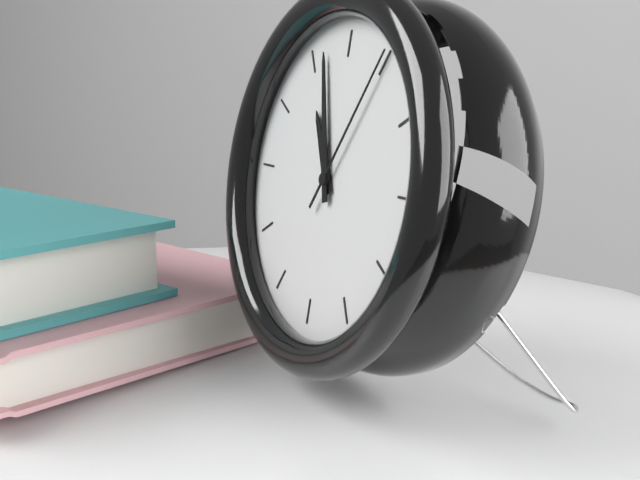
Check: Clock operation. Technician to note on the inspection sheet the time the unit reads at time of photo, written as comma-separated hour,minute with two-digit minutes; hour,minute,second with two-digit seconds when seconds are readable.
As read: 10,57,05
